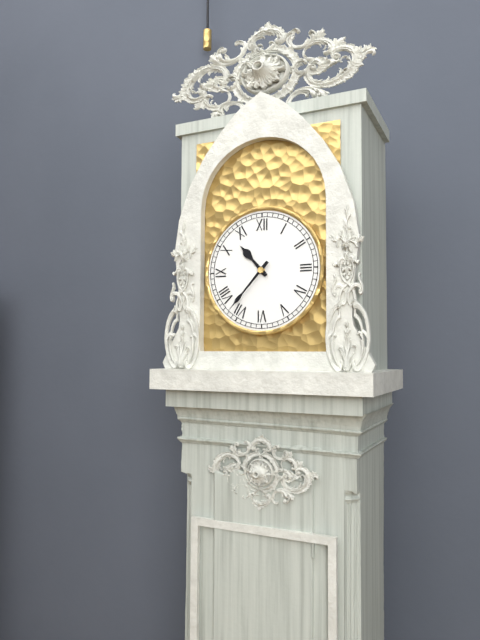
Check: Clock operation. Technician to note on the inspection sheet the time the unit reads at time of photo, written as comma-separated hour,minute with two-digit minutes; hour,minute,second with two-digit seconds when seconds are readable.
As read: 10,37
